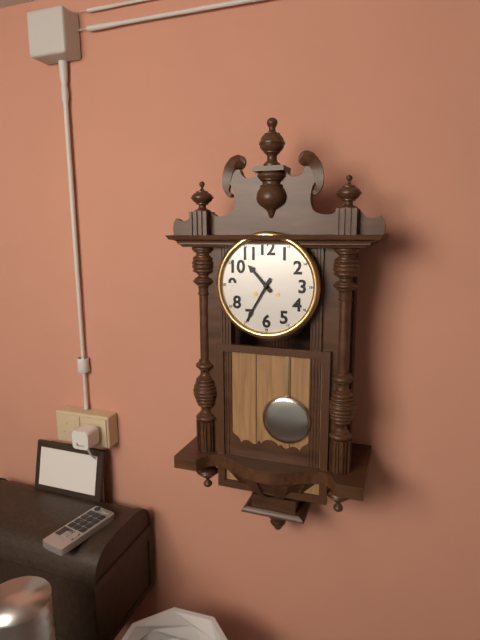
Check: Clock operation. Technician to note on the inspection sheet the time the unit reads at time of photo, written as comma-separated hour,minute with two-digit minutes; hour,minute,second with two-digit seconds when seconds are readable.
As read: 10,35
